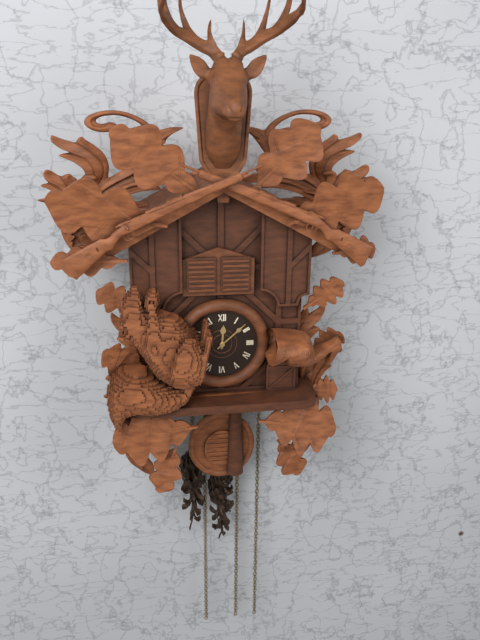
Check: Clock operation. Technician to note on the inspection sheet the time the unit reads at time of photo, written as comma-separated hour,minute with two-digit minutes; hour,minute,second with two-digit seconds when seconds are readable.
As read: 12,08
